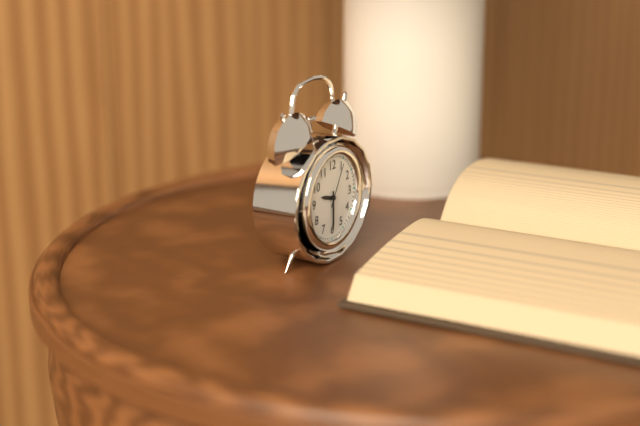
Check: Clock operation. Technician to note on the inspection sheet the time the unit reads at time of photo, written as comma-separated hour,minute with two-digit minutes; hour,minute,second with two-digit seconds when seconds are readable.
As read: 9,30
